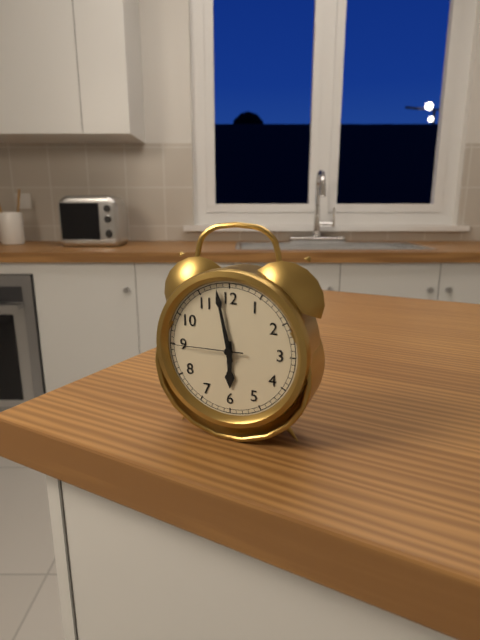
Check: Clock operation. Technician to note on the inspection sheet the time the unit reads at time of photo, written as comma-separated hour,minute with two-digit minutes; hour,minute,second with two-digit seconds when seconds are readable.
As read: 5,58,45
